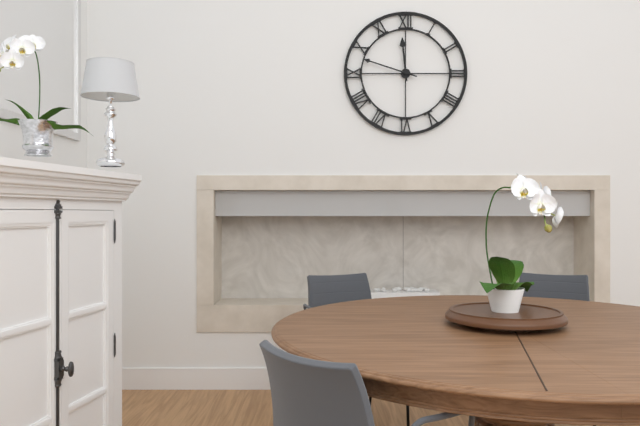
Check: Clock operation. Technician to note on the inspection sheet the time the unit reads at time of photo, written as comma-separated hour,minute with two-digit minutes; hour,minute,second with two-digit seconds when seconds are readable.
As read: 11,48
